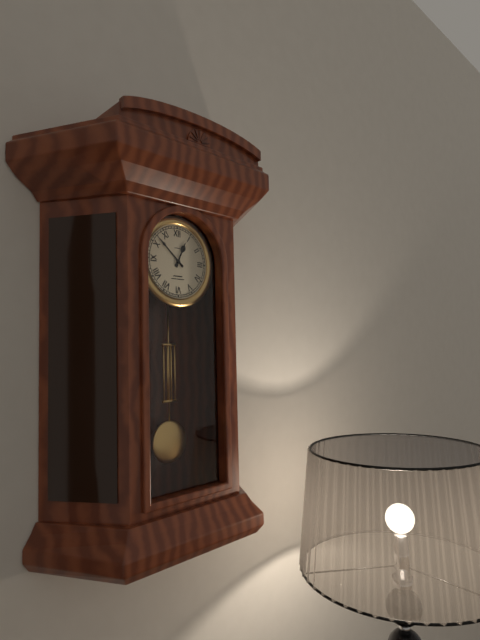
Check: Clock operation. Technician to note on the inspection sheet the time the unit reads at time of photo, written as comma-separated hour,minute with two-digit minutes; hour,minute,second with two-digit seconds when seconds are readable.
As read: 12,52
